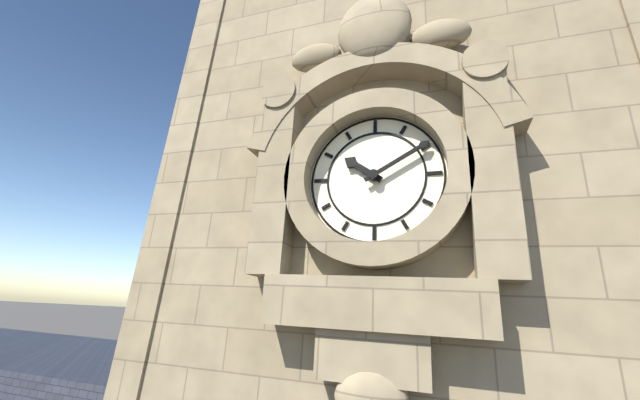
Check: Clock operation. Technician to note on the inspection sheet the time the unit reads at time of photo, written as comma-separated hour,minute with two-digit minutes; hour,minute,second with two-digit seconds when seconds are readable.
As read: 10,10
